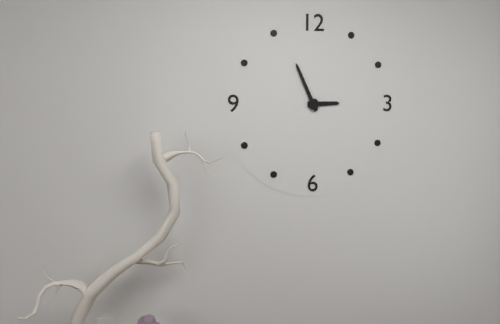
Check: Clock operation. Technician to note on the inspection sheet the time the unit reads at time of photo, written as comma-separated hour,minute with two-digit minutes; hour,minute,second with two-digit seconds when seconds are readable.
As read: 2,56
